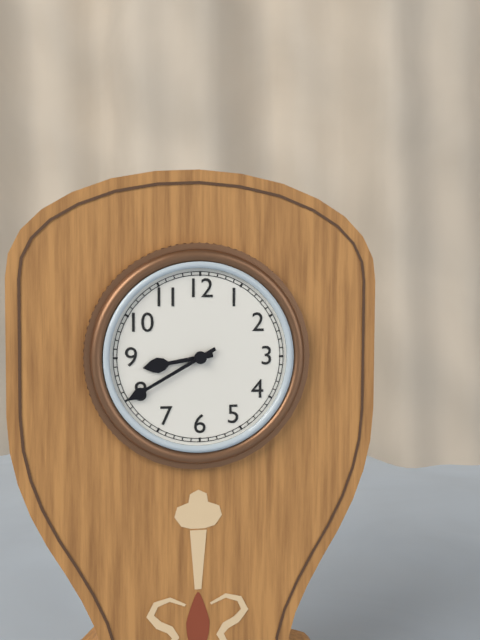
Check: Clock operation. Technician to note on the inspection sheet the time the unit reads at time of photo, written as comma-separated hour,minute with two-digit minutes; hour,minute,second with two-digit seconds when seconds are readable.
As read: 8,40
